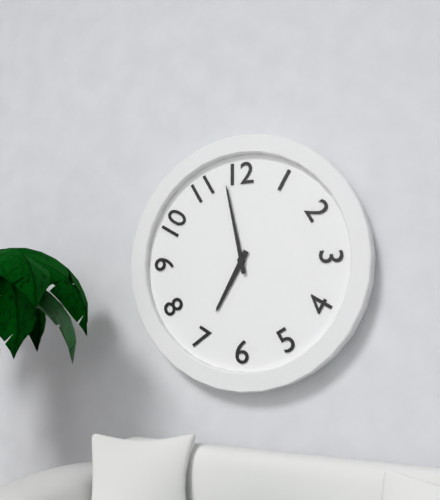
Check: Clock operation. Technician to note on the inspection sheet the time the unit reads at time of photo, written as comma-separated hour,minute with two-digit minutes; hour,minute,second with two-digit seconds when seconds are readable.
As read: 6,58
